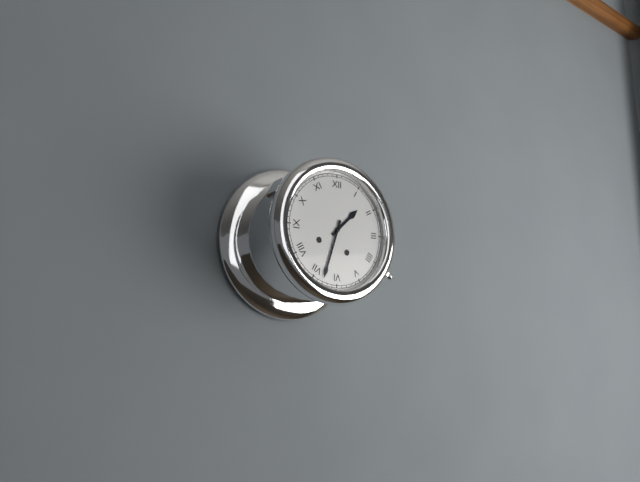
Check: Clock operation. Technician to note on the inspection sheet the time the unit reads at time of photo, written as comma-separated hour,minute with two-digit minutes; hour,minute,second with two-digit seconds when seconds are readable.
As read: 1,33
